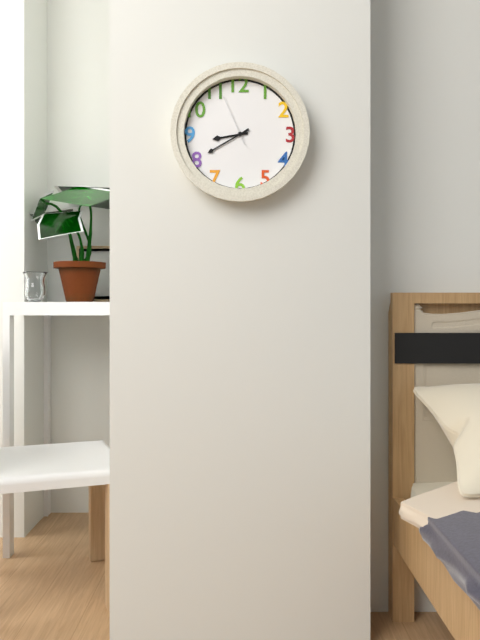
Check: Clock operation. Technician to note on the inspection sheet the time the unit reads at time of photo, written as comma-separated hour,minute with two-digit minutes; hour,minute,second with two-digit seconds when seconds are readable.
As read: 8,40,56
